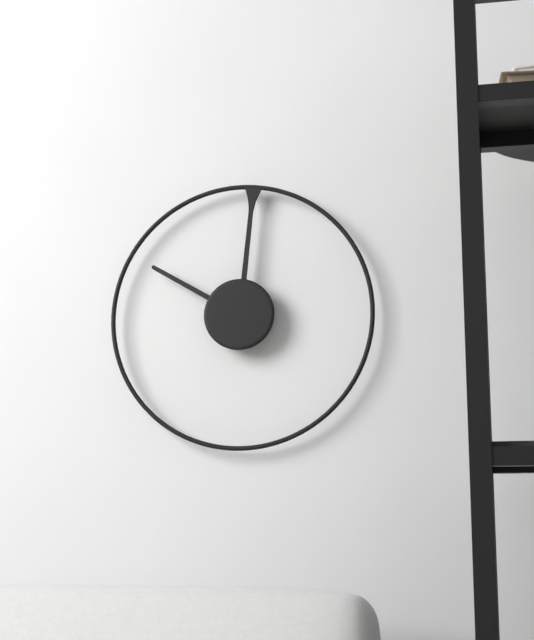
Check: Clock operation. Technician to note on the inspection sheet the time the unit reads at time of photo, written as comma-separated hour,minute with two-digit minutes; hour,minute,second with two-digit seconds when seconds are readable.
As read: 10,01
